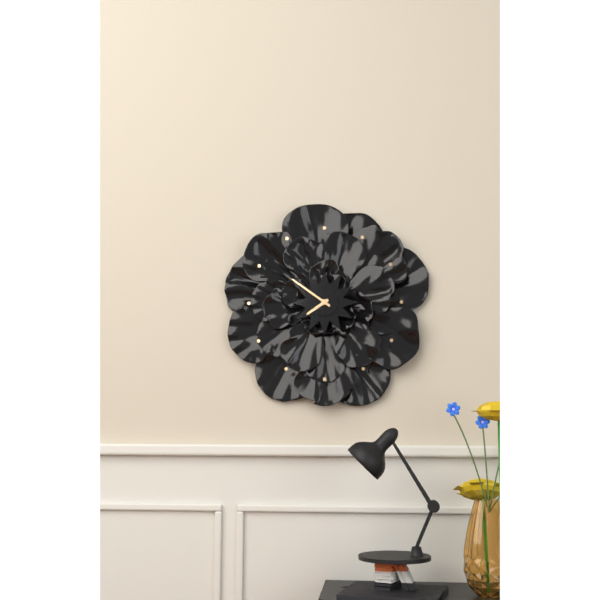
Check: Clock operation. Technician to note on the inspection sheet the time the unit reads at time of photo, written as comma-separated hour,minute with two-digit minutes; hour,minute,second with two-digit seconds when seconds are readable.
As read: 7,51
